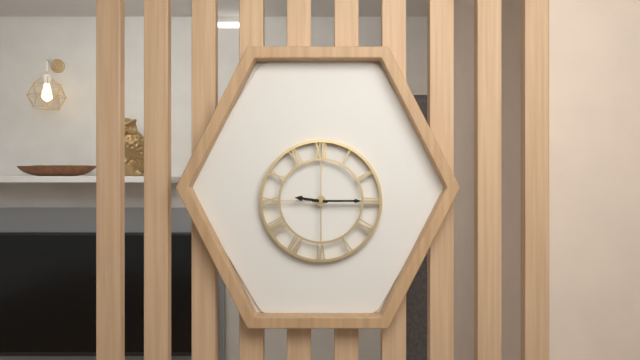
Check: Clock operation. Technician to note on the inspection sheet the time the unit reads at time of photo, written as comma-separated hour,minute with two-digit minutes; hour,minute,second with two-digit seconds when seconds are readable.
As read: 9,15
